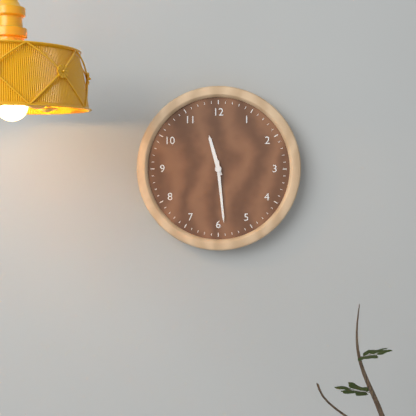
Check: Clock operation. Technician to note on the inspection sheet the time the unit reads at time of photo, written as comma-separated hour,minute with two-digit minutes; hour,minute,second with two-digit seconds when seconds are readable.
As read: 11,29
